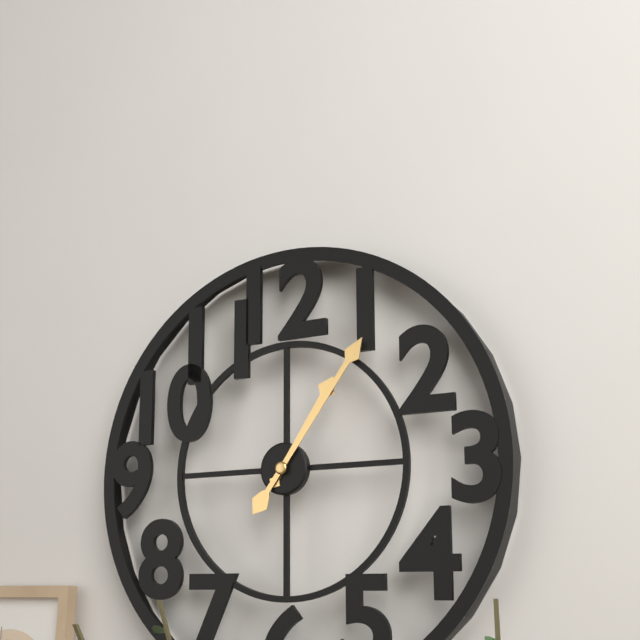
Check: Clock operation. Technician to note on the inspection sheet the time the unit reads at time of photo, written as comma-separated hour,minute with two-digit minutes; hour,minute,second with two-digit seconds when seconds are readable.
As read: 1,06
